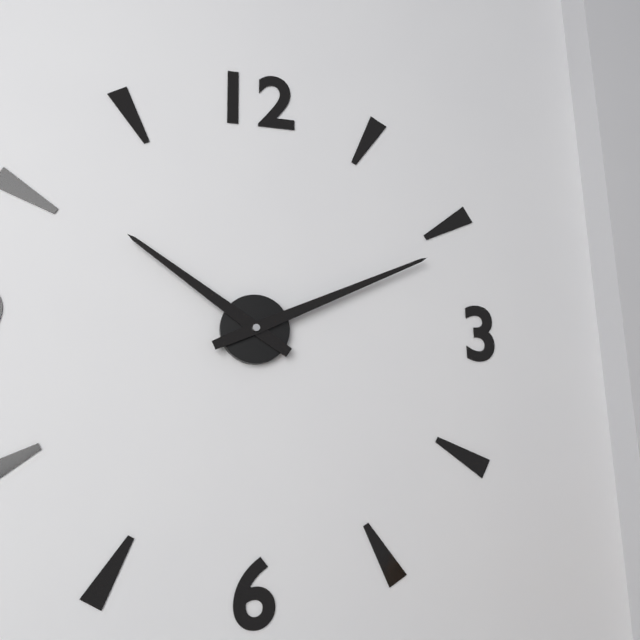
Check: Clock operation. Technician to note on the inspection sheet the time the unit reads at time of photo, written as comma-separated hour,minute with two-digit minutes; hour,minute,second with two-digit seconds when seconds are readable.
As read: 10,11
